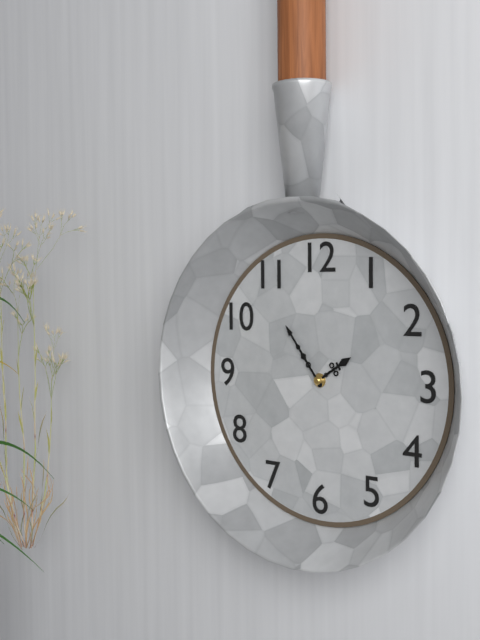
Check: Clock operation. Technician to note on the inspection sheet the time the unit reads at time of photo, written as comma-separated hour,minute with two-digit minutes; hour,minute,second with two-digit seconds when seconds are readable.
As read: 1,54
